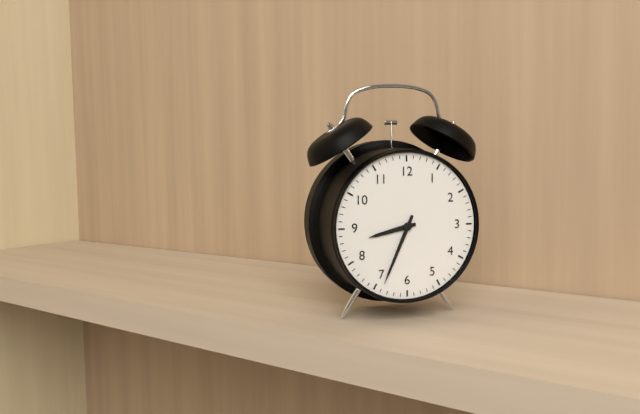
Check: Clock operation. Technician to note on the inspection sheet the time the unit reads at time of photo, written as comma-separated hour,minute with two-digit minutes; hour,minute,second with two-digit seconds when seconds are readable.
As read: 8,34
